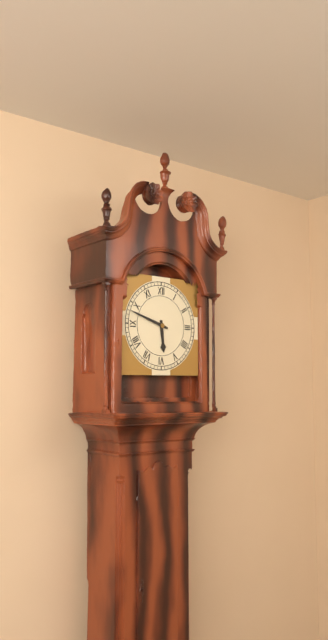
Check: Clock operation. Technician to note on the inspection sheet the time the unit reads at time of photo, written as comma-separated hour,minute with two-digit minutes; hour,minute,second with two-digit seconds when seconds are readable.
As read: 5,48
